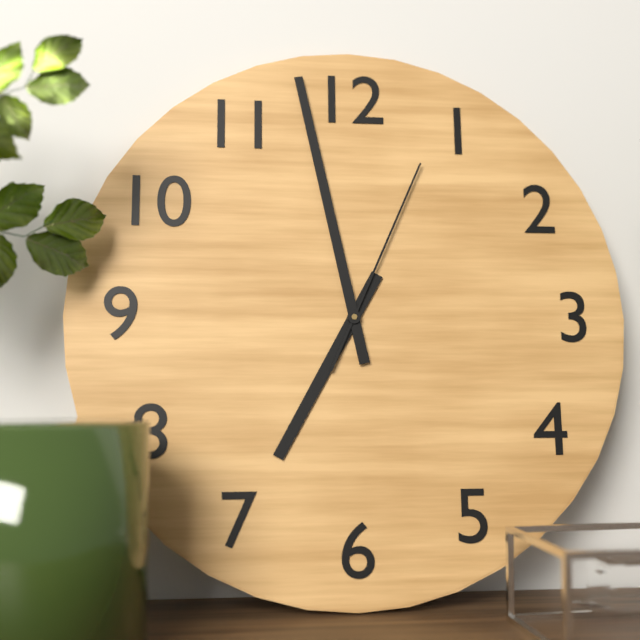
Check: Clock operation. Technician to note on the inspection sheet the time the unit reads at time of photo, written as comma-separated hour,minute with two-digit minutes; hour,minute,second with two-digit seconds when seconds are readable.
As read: 6,58,04
